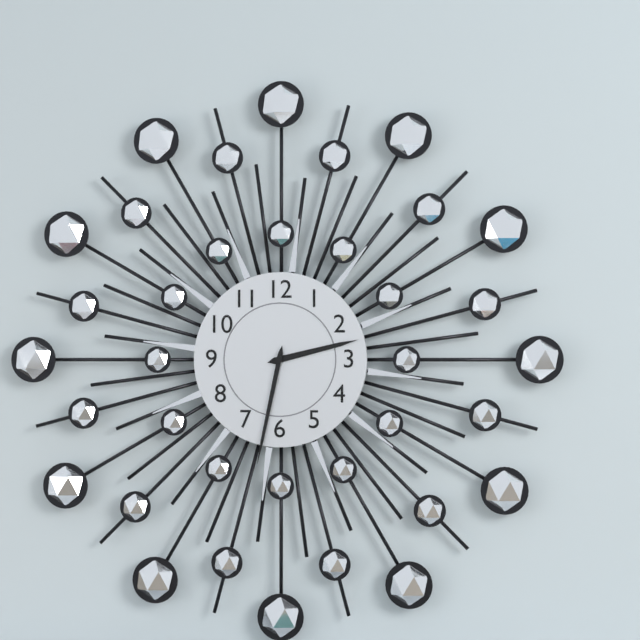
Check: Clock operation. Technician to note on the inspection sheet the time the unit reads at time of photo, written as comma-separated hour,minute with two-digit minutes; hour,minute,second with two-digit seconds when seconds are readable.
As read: 2,32
